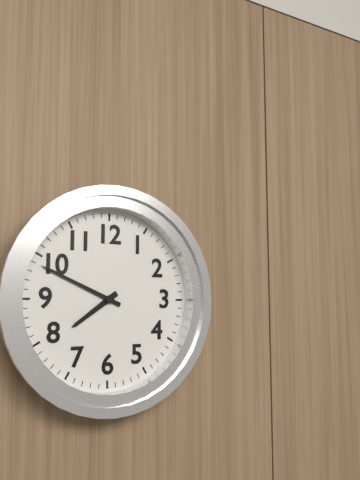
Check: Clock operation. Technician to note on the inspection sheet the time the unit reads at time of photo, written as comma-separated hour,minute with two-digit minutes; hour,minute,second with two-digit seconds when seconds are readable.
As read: 7,49
